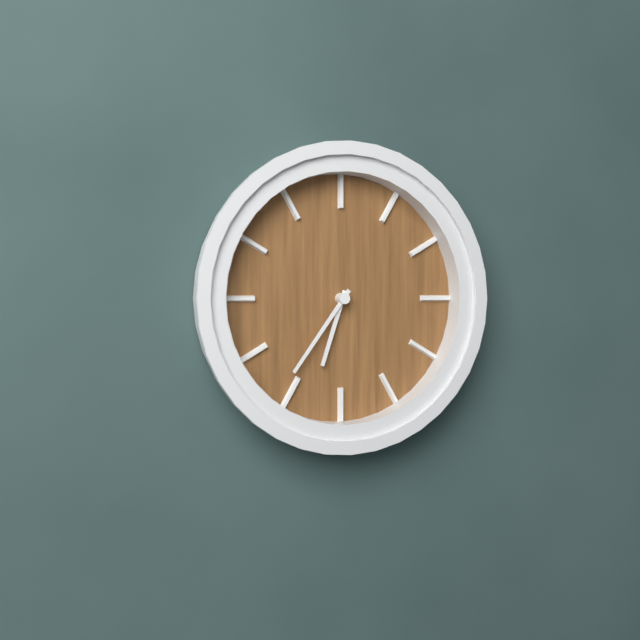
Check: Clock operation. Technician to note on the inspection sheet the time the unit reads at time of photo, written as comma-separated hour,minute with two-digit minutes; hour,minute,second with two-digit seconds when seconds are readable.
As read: 6,36
